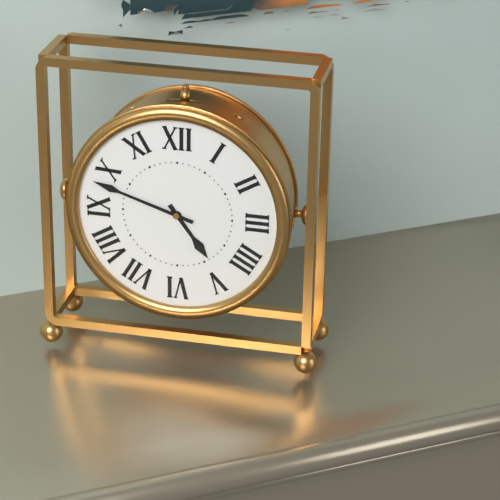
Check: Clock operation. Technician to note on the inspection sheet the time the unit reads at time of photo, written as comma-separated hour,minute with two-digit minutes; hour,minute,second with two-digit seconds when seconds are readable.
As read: 4,48
